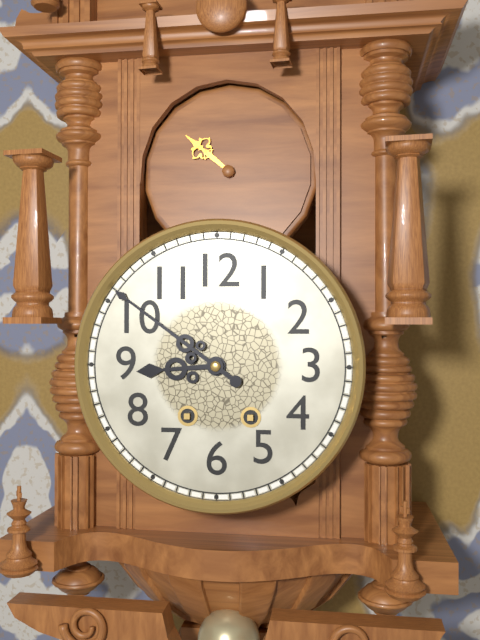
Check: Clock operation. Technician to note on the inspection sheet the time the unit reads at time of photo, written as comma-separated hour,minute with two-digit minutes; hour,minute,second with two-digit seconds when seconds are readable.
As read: 8,51
